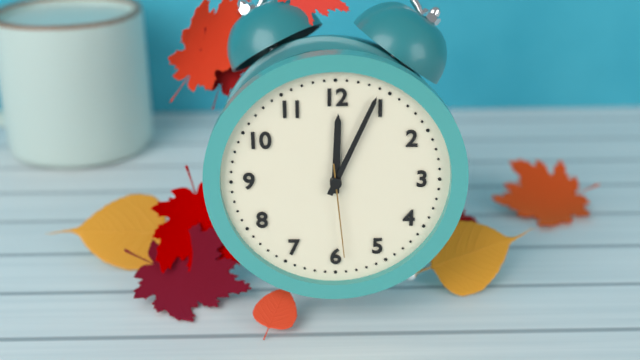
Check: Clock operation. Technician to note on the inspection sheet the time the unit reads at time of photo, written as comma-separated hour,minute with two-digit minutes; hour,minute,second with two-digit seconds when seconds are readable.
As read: 12,04,29
